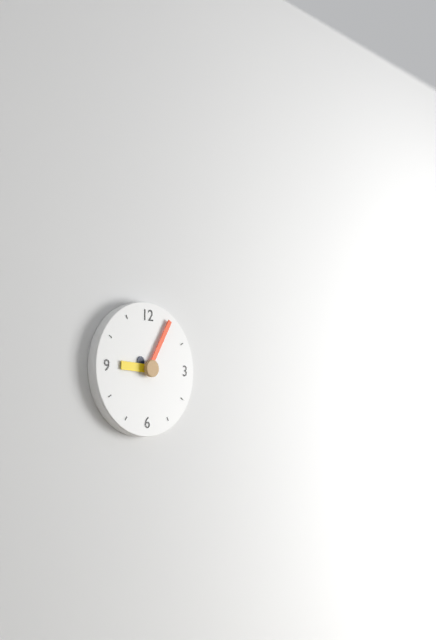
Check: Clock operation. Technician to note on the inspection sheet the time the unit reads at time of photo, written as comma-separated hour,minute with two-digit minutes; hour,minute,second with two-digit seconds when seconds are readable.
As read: 9,05
